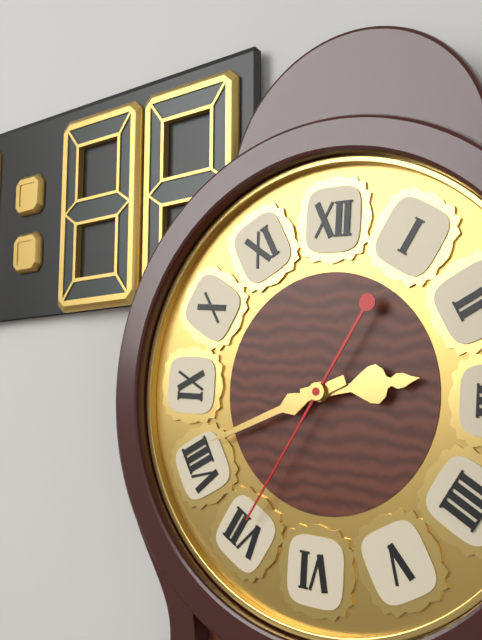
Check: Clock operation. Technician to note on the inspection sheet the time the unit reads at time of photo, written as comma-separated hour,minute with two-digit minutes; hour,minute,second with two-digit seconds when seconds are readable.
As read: 2,41,35
